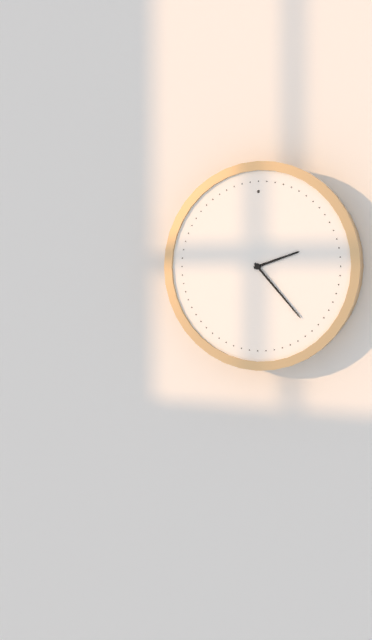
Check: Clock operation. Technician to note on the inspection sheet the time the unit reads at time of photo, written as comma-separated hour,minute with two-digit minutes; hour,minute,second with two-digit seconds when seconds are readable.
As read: 2,23
